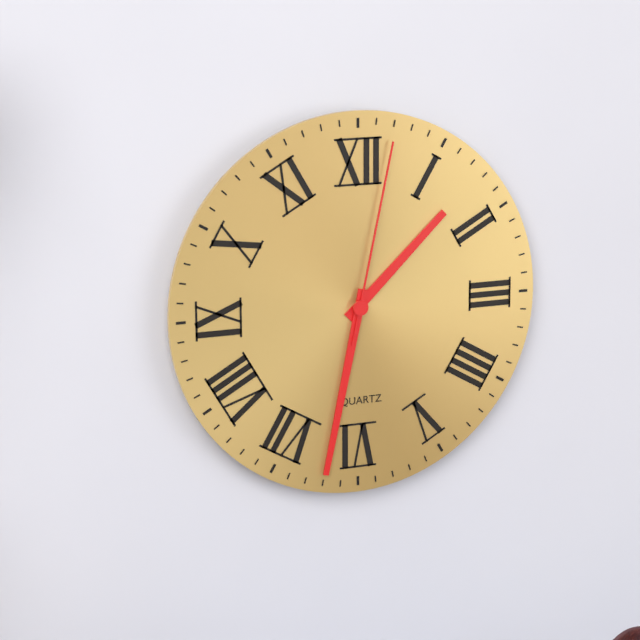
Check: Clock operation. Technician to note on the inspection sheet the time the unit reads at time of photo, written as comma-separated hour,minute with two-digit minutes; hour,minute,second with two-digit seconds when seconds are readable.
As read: 1,32,02
